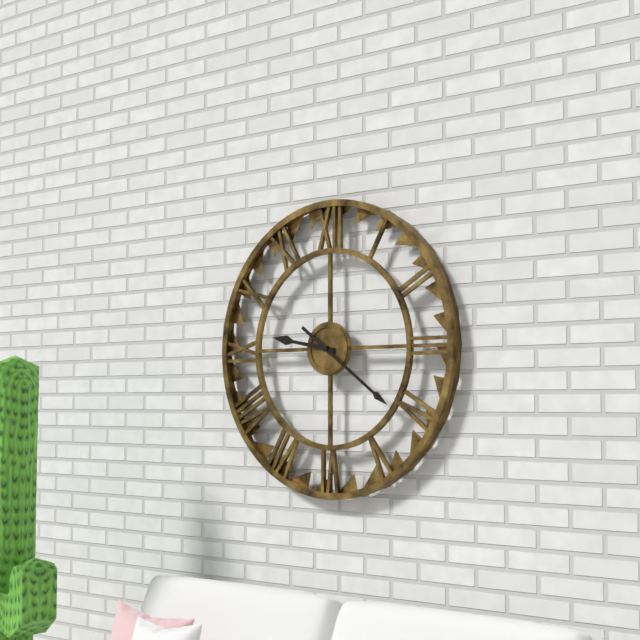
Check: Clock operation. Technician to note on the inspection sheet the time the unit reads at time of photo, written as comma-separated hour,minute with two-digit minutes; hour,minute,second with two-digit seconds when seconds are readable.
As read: 9,21
